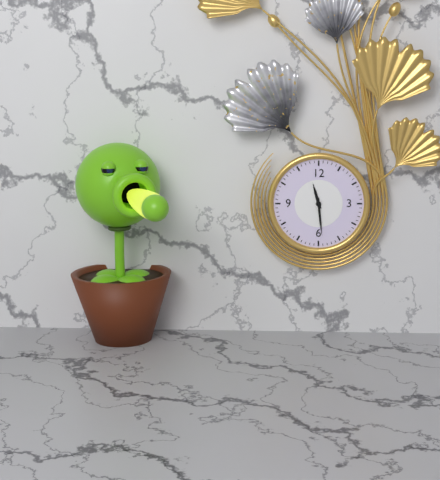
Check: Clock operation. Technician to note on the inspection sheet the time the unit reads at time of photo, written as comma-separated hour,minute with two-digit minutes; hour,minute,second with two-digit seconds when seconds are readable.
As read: 11,29
